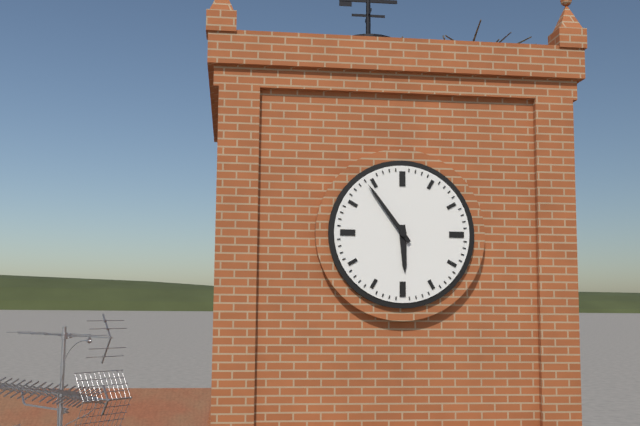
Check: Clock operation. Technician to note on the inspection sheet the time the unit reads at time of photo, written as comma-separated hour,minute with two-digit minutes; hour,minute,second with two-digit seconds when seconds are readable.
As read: 5,54
